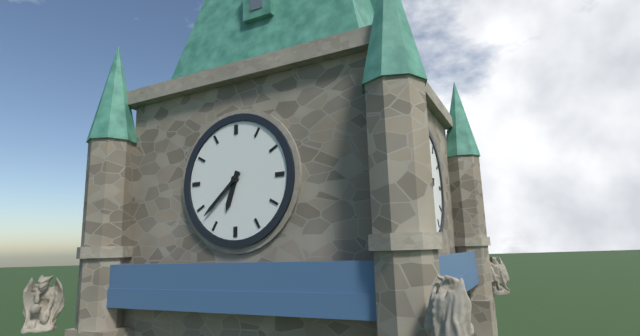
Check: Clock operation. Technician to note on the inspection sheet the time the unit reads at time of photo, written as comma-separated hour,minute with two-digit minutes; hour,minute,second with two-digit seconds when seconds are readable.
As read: 6,38
